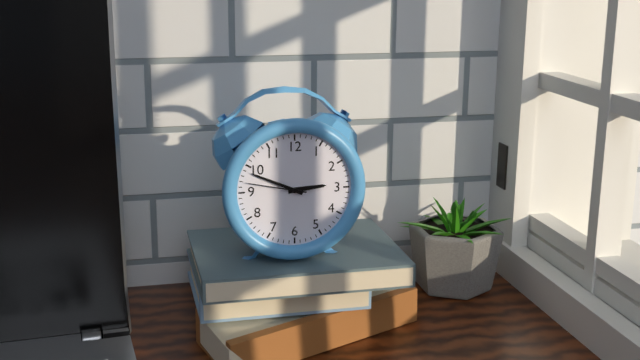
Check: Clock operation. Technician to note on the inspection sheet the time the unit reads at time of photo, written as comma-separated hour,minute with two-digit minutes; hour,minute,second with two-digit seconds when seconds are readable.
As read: 2,49,47
